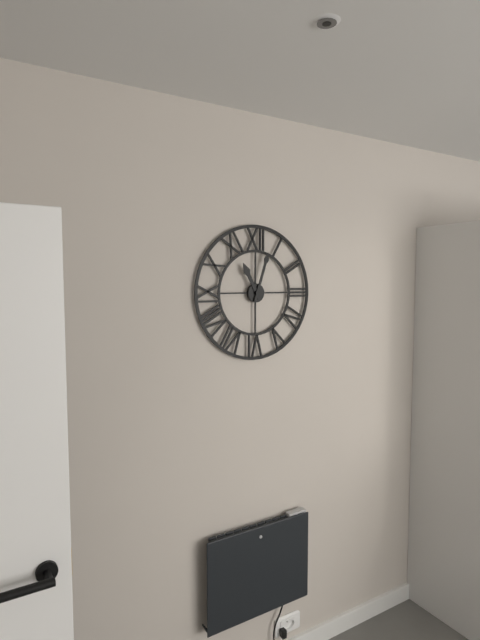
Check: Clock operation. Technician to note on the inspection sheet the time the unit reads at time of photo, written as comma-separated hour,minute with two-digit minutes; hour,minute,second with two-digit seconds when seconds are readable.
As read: 11,03
